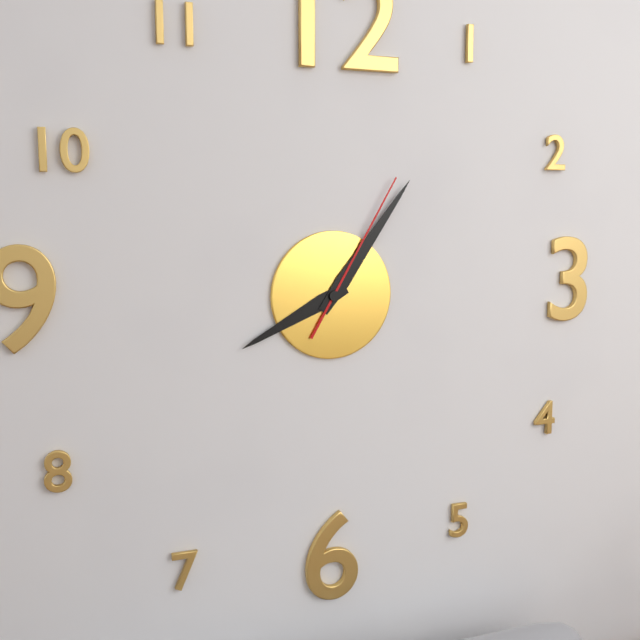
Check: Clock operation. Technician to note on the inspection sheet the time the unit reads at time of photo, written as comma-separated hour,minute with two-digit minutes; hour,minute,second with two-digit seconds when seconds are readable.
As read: 8,06,05
